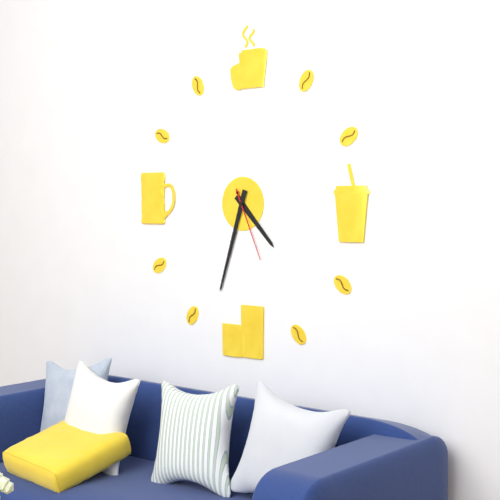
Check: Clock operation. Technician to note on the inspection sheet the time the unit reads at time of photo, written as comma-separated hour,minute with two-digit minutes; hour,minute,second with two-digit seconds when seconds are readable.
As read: 4,33,26
